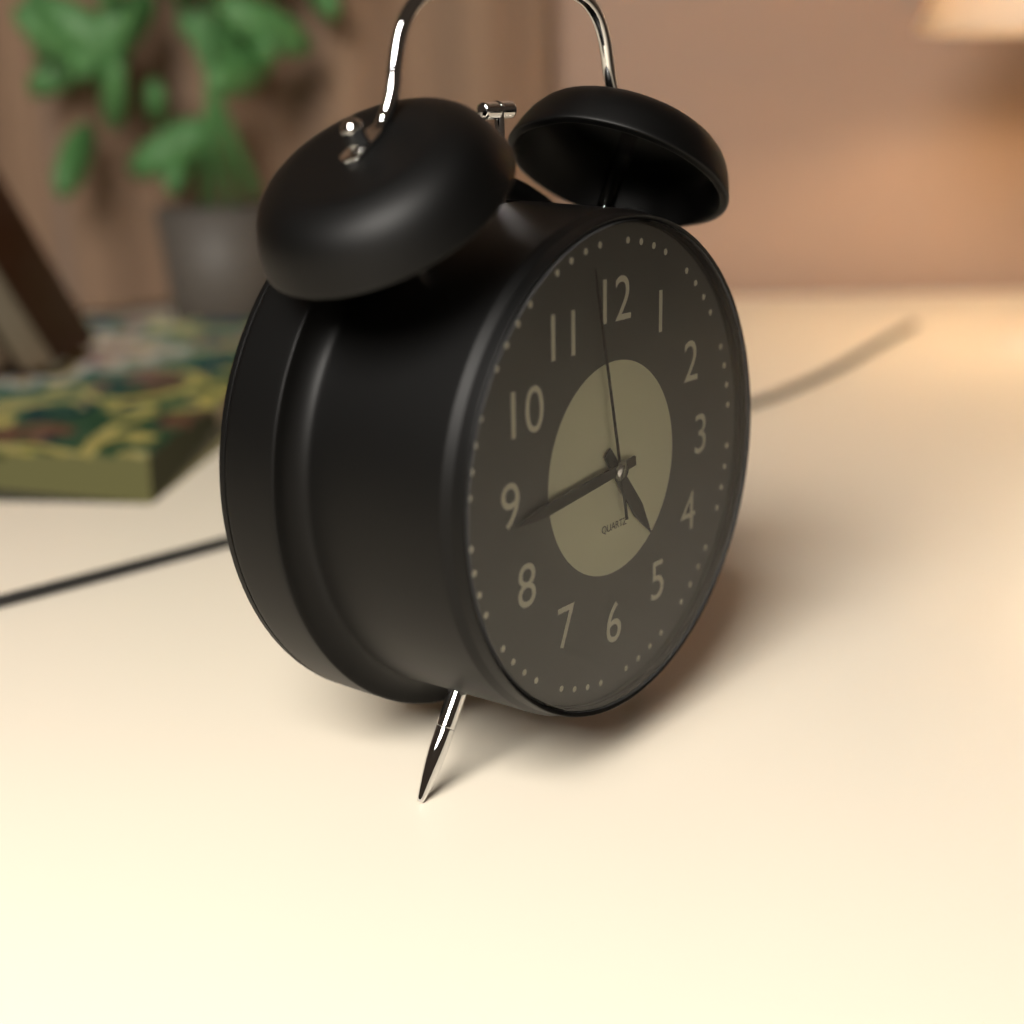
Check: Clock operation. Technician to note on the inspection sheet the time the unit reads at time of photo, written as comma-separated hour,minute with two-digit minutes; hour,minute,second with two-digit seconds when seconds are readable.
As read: 4,44,58
